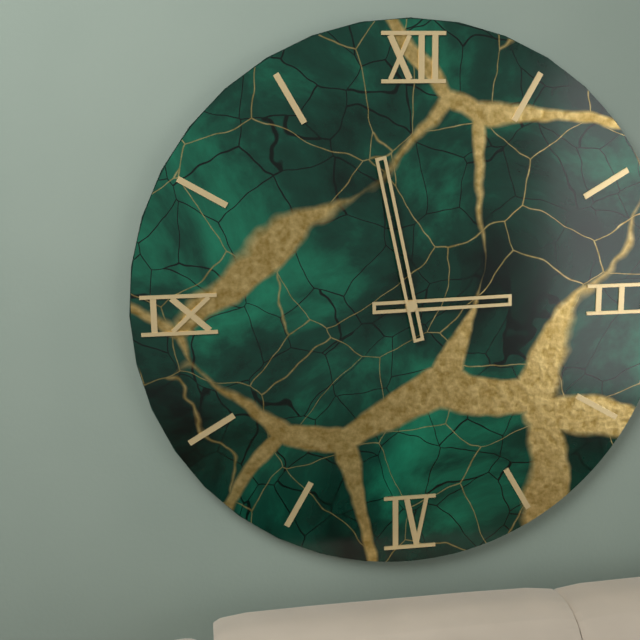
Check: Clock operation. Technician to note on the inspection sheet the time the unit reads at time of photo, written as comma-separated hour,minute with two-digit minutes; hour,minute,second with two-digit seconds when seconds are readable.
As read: 2,58
